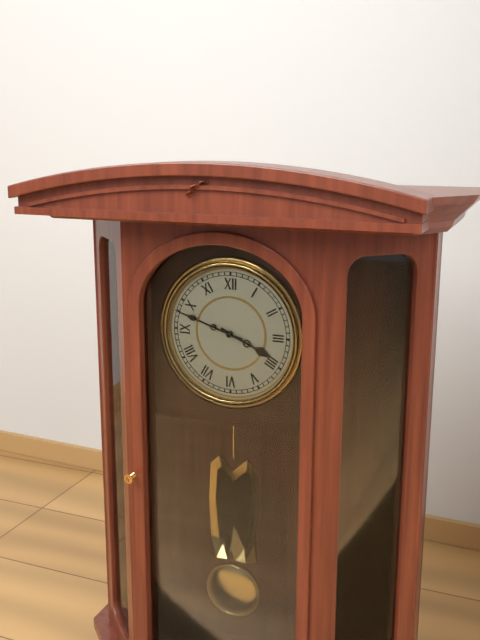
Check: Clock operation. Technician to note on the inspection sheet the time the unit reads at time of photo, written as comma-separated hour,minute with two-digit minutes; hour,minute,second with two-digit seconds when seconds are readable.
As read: 3,48
